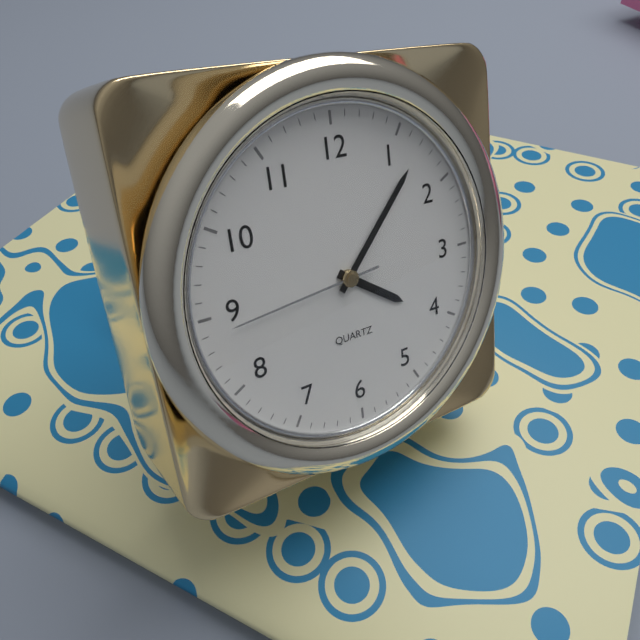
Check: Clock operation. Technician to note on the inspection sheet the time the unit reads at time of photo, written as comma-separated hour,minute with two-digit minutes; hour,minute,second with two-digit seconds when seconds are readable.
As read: 4,07,44
